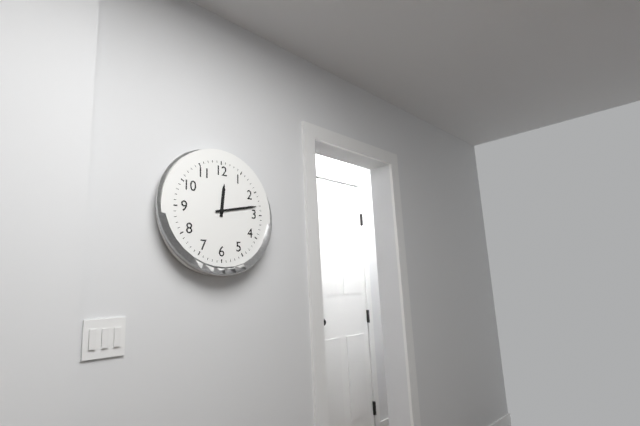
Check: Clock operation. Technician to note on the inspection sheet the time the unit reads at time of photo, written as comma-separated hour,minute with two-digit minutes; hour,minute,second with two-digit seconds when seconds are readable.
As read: 12,13
